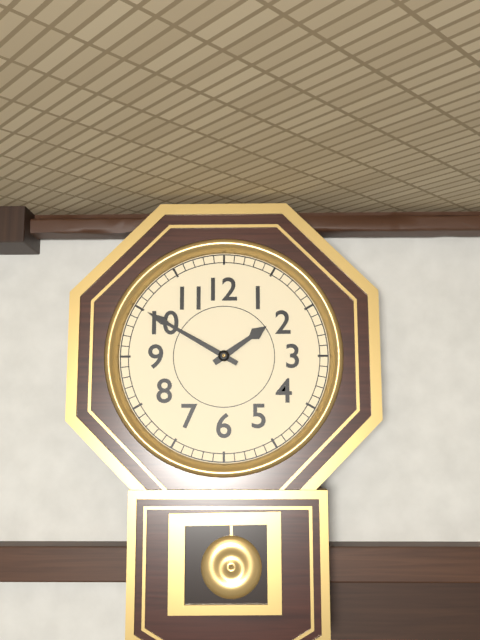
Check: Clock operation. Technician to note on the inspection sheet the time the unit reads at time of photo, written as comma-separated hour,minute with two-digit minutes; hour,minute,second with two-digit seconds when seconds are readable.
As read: 1,50
